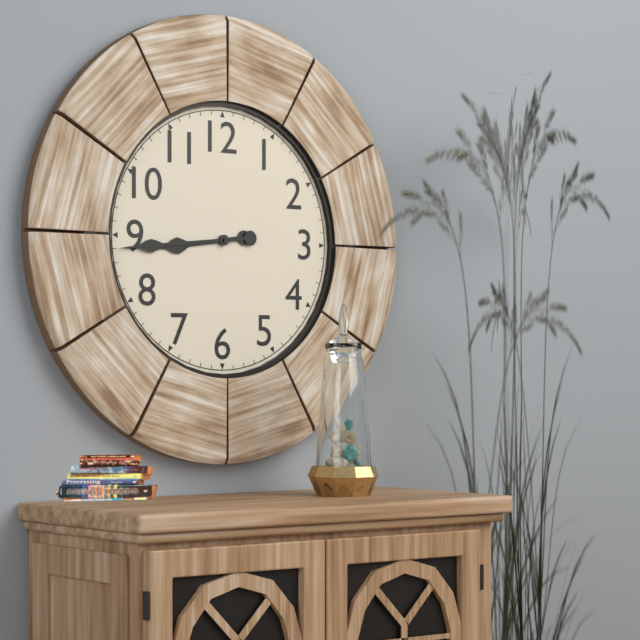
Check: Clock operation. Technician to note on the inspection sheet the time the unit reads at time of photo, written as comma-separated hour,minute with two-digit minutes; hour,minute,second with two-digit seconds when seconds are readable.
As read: 8,44
